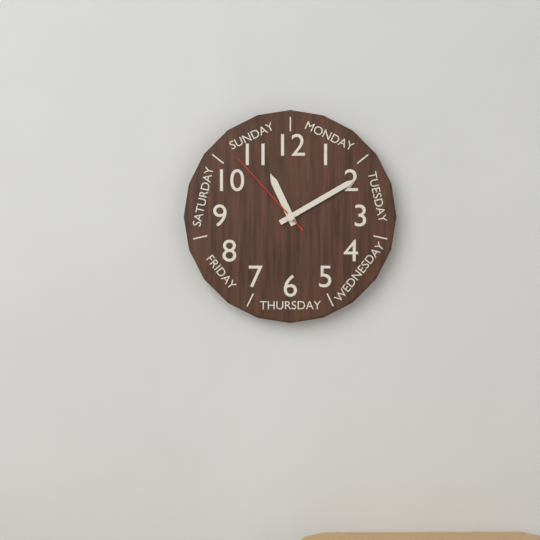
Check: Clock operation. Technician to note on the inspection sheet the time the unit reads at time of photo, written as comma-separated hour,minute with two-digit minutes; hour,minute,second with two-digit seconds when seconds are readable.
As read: 11,10,53
